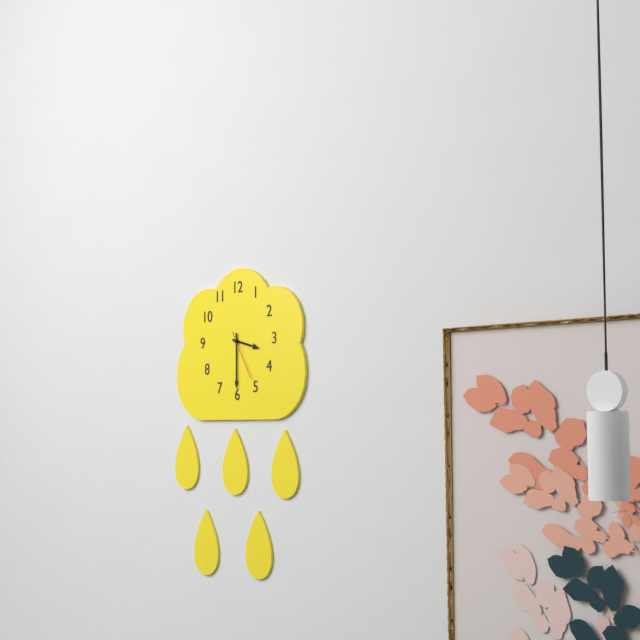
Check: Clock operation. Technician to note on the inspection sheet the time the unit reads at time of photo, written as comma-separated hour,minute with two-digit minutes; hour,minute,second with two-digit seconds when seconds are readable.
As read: 3,30
